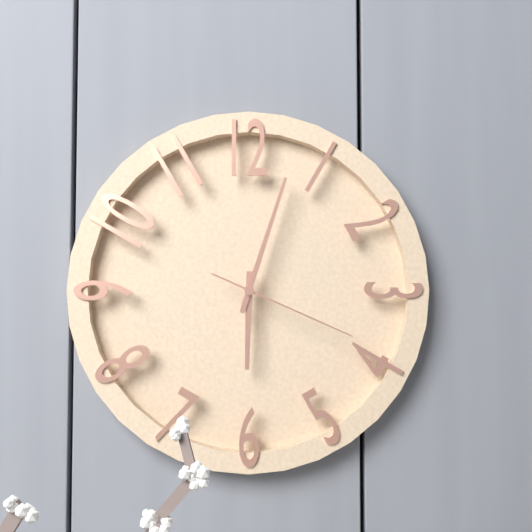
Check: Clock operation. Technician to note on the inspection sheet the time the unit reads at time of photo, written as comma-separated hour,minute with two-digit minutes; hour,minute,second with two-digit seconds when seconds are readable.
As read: 6,03,19
